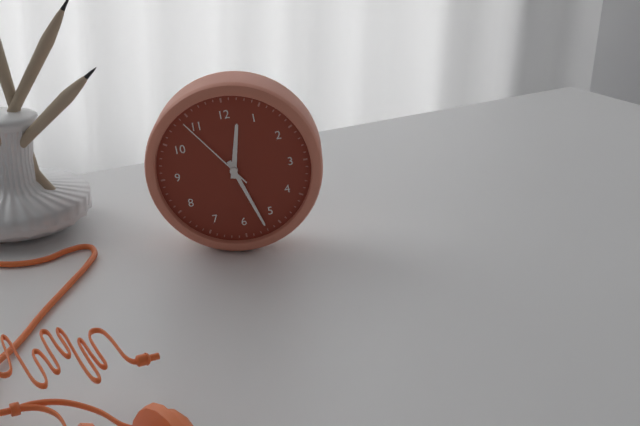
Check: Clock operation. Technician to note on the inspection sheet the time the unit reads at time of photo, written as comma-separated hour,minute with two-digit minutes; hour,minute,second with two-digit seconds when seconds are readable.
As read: 12,27,54
